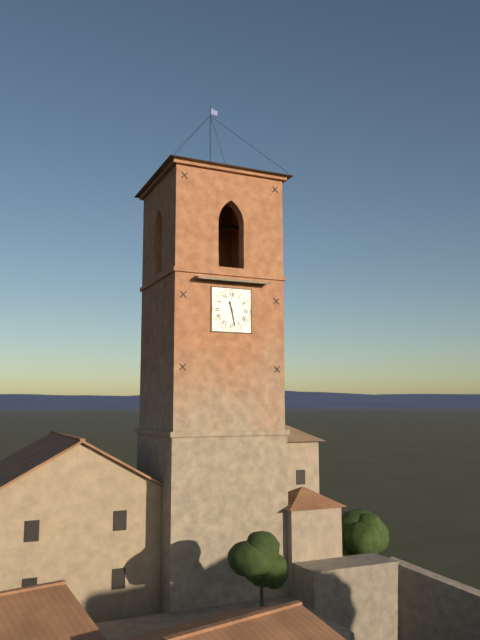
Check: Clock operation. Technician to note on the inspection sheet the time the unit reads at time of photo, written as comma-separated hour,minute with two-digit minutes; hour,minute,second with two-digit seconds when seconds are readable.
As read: 11,28
